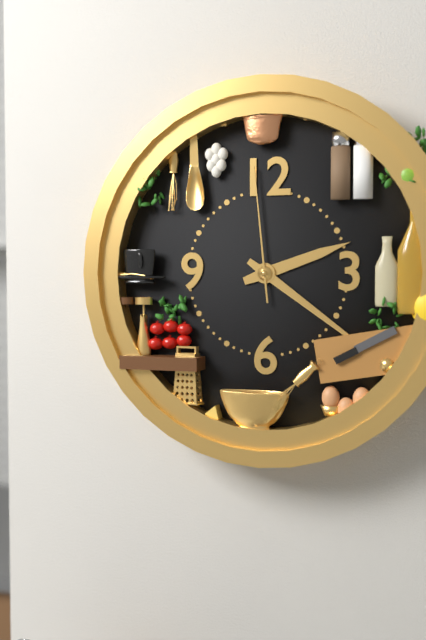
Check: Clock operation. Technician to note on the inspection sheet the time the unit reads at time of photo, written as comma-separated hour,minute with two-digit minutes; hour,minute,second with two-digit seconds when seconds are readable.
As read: 2,21,59
